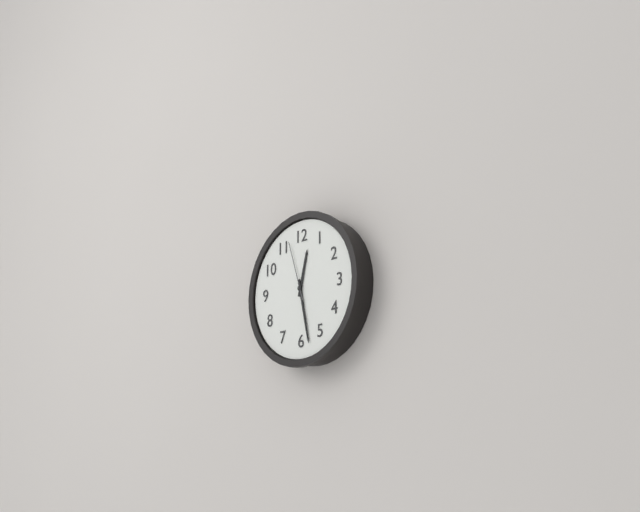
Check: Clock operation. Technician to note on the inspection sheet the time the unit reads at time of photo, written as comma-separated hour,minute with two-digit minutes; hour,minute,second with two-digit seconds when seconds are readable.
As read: 12,28,57
